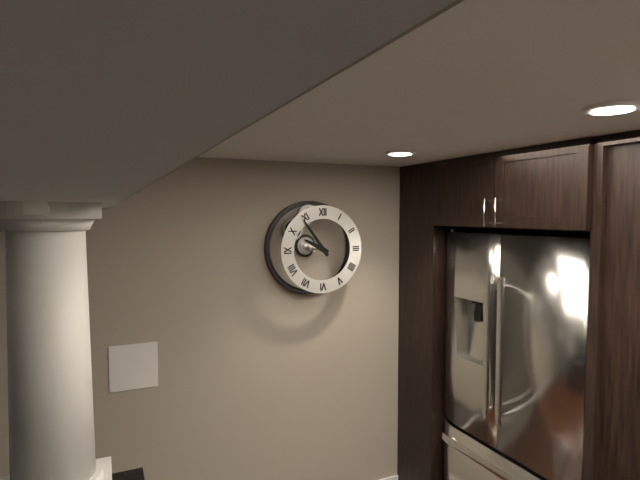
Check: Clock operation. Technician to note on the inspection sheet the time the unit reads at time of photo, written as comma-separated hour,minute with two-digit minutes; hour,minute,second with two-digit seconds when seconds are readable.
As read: 9,54
